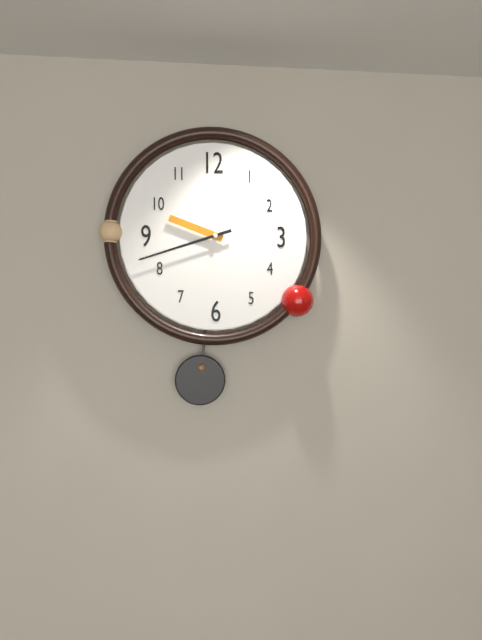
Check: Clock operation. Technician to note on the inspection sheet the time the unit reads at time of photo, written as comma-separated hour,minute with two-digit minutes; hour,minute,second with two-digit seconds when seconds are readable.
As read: 9,42
